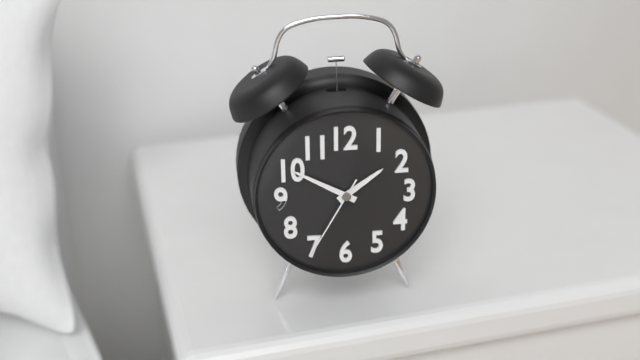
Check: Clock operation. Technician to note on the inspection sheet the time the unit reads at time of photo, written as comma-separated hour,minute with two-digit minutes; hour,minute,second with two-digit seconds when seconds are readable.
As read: 1,50,35
